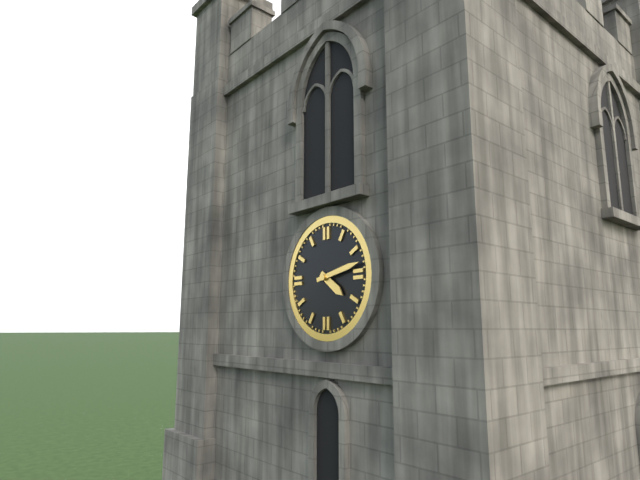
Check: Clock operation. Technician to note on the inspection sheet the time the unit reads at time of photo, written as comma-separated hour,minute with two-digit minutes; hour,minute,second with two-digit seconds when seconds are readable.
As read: 4,13
